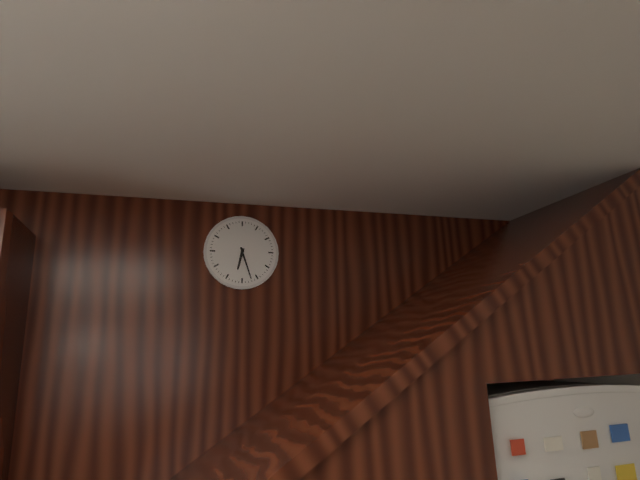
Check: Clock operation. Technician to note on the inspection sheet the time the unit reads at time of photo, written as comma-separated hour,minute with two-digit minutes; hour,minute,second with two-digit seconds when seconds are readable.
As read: 6,27
